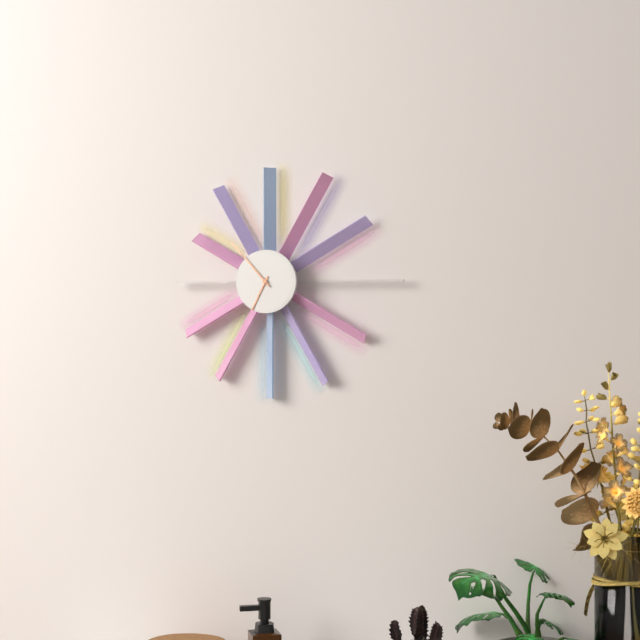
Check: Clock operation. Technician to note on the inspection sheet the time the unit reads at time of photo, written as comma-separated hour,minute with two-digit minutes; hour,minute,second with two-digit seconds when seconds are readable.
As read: 6,53
